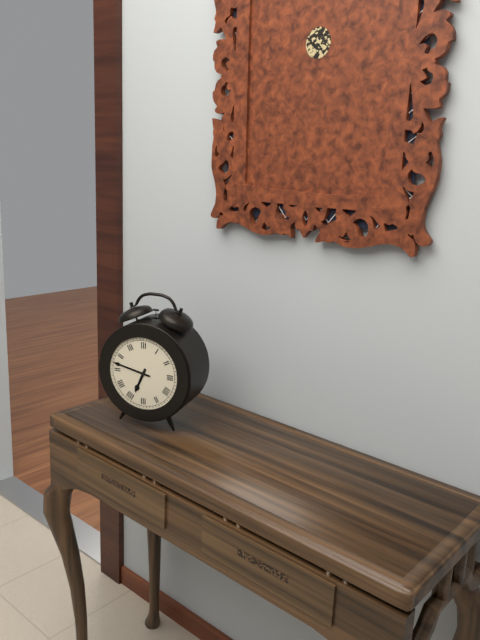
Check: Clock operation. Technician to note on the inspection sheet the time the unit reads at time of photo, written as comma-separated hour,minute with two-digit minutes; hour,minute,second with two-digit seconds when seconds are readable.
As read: 6,47
